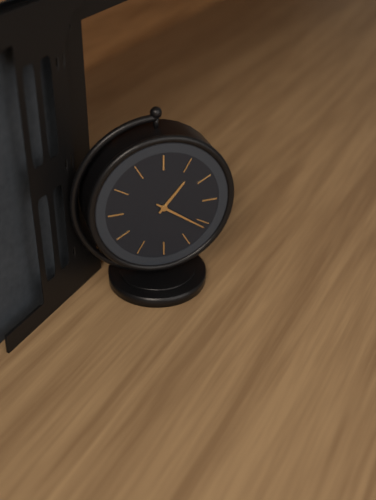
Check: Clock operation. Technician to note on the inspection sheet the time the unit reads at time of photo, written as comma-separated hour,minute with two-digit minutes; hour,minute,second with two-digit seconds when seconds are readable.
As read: 1,21
